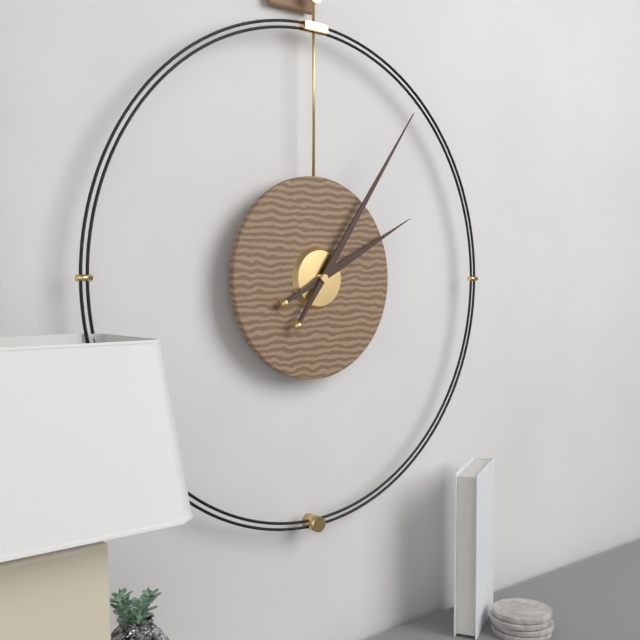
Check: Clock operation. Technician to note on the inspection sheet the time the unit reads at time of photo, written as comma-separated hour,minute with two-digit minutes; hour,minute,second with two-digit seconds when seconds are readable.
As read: 2,06
